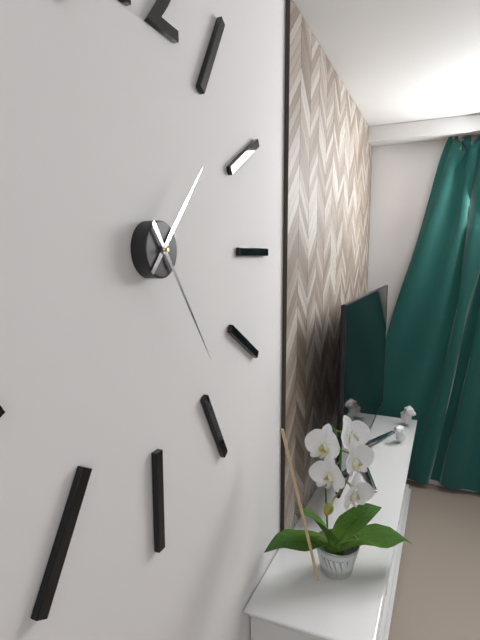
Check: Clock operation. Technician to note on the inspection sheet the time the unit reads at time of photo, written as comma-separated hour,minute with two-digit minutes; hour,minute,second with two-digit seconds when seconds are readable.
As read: 1,24
